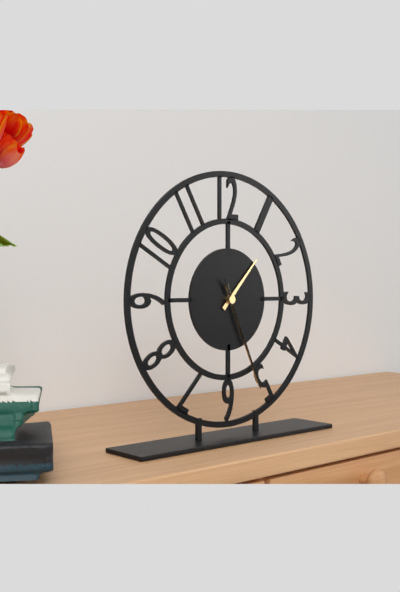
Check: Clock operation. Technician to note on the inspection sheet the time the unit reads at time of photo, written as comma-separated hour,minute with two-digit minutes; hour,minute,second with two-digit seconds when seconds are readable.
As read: 1,26,26
